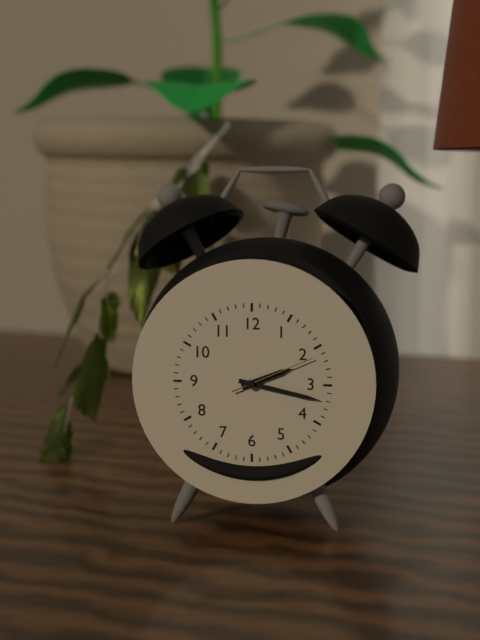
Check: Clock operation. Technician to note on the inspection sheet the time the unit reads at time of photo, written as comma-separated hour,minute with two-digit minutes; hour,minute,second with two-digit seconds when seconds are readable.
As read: 2,17,11
